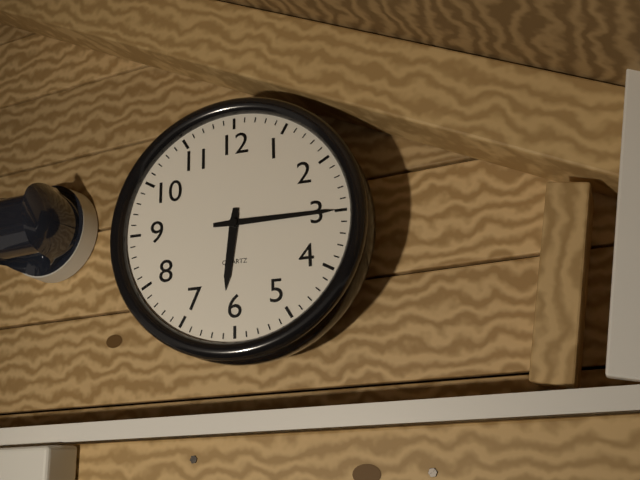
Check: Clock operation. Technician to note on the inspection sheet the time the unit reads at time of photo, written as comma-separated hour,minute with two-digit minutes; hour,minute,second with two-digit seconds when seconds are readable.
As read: 6,15
